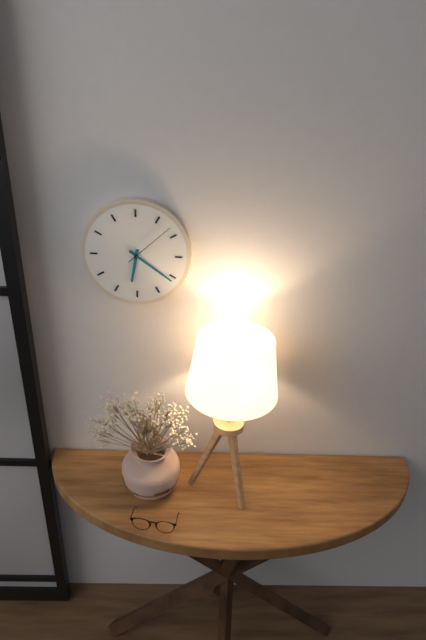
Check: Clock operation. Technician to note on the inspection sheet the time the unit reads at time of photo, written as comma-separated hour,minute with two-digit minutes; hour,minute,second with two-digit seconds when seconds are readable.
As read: 6,21,08
